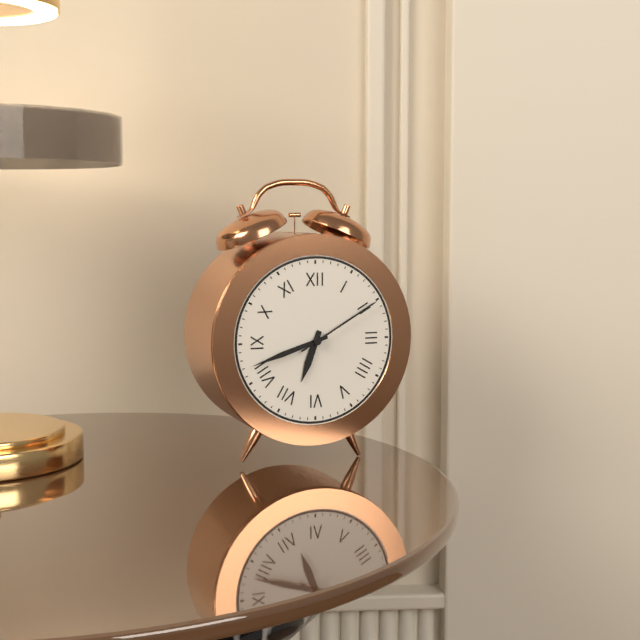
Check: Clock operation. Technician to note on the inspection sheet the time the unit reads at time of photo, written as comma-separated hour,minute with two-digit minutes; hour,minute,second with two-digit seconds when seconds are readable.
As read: 6,42,10
